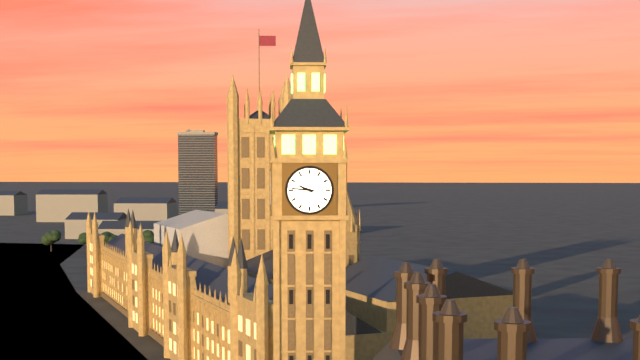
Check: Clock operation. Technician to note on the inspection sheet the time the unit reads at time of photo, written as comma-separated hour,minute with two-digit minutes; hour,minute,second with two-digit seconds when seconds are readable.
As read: 9,46
